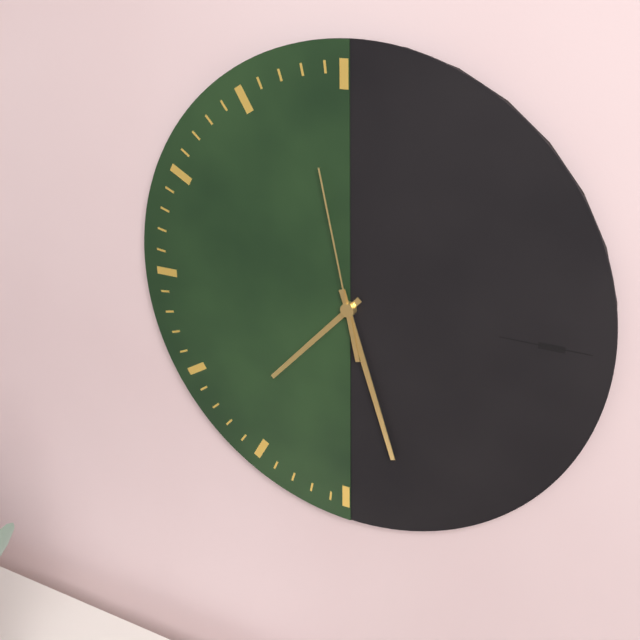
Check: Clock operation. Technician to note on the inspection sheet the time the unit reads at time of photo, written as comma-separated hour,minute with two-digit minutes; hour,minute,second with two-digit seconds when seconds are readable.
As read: 7,27,58
